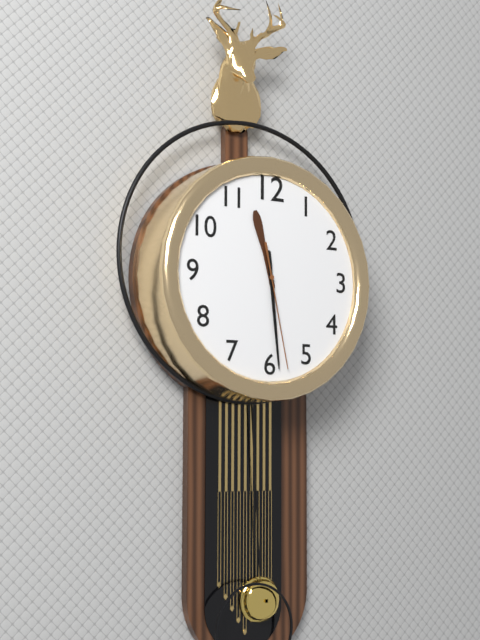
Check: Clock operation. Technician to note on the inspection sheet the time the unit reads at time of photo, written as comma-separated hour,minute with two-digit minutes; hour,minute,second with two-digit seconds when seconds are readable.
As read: 11,29,28
